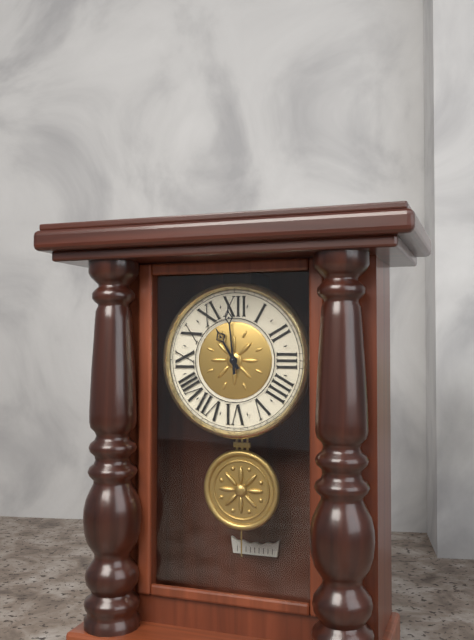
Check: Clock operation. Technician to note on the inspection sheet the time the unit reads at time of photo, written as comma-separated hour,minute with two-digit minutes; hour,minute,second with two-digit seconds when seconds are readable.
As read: 10,59
